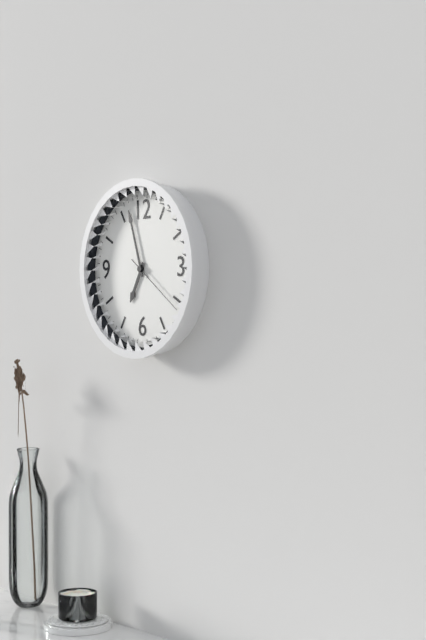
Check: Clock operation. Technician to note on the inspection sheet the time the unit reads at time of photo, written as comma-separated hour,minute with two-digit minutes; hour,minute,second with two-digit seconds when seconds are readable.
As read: 6,57,21
